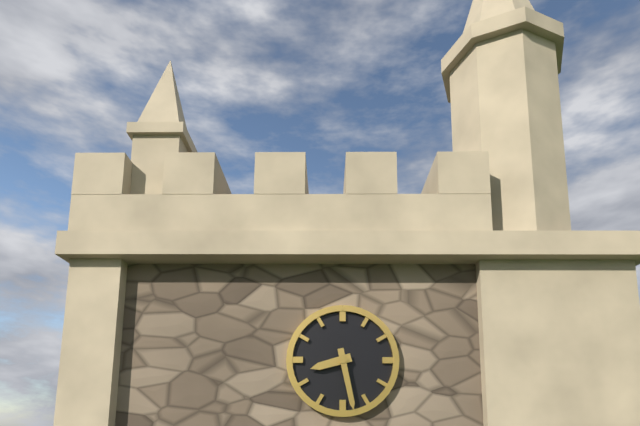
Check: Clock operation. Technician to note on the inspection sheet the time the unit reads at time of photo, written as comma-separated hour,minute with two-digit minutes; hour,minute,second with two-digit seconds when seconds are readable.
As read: 8,28
